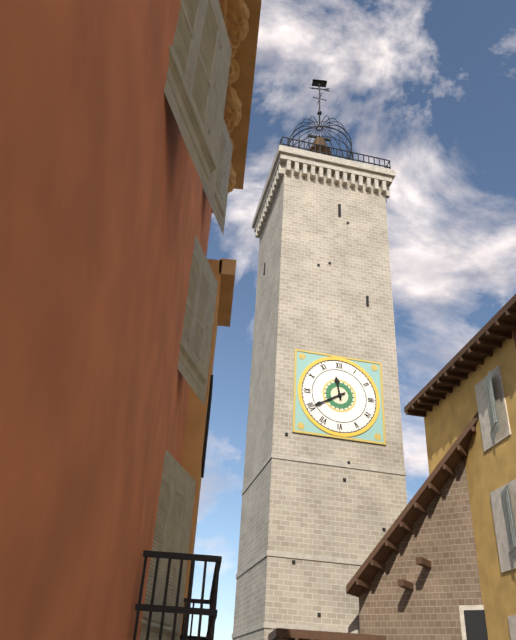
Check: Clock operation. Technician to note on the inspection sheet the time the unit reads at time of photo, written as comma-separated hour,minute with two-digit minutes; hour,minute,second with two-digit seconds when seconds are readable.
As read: 11,40
